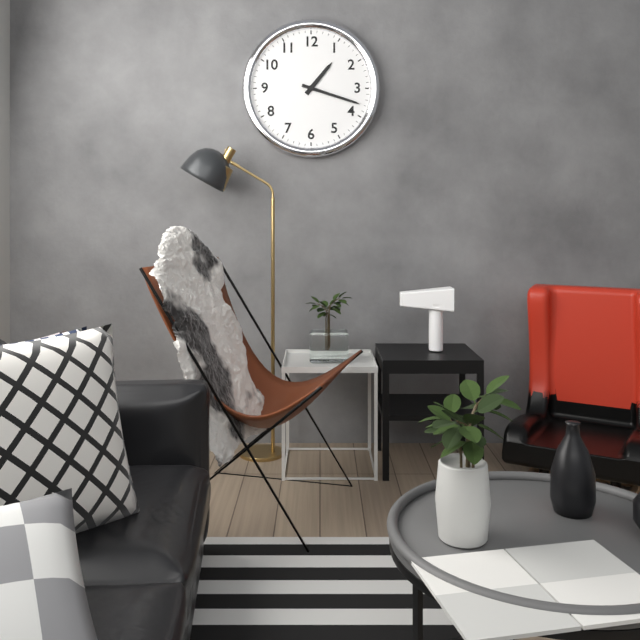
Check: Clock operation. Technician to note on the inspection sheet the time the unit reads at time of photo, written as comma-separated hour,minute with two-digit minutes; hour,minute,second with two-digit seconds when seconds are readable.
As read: 1,18
